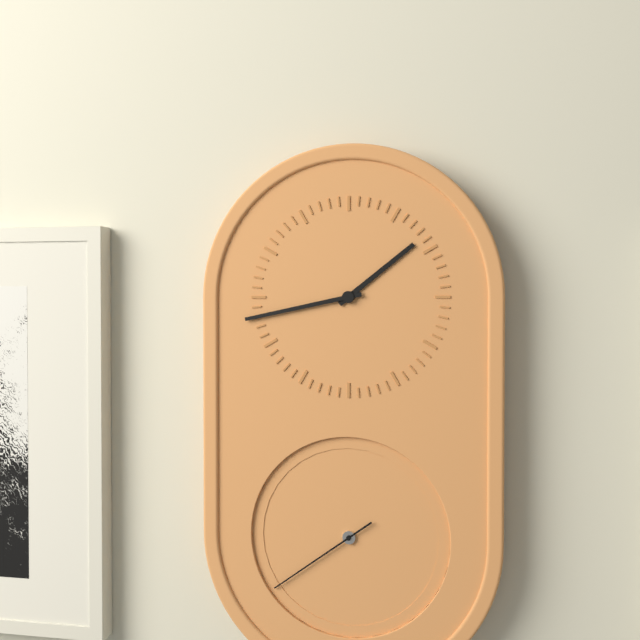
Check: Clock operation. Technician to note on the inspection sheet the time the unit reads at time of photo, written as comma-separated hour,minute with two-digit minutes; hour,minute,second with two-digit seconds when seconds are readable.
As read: 1,43,39
